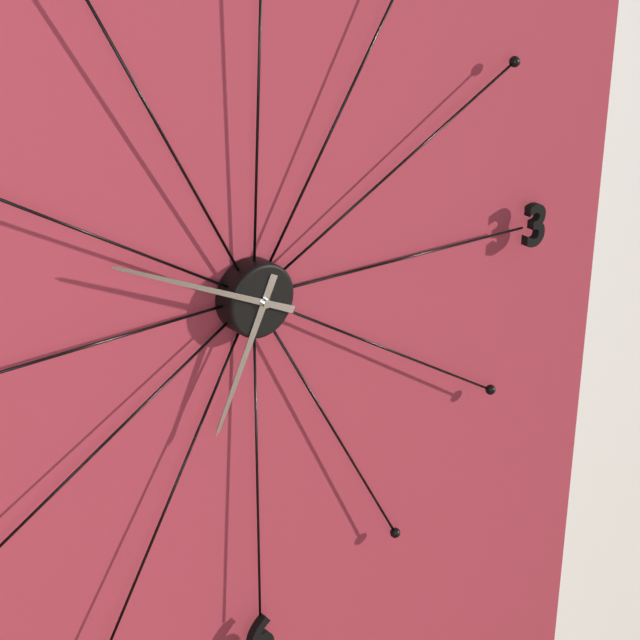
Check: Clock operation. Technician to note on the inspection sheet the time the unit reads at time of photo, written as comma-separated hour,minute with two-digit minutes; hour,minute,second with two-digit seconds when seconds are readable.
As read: 6,49
